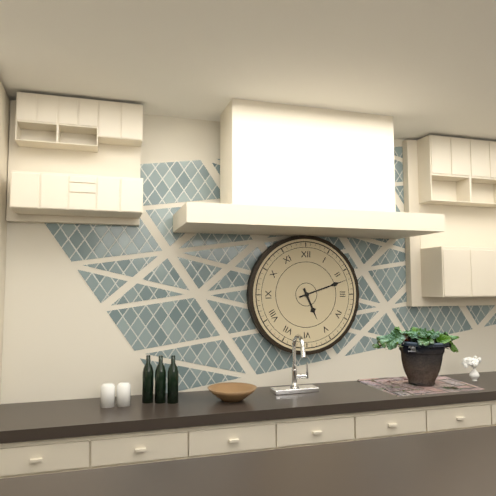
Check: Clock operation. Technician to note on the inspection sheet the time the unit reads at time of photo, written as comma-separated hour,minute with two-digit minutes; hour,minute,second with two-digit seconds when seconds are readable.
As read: 5,12
